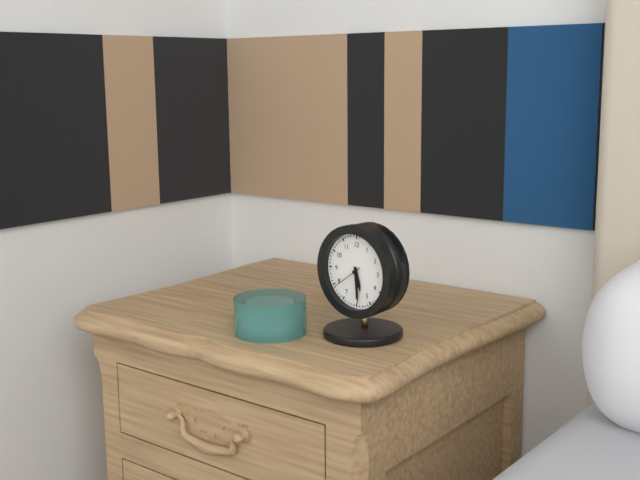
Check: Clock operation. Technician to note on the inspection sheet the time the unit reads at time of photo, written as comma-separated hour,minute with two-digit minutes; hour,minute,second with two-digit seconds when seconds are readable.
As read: 5,29
